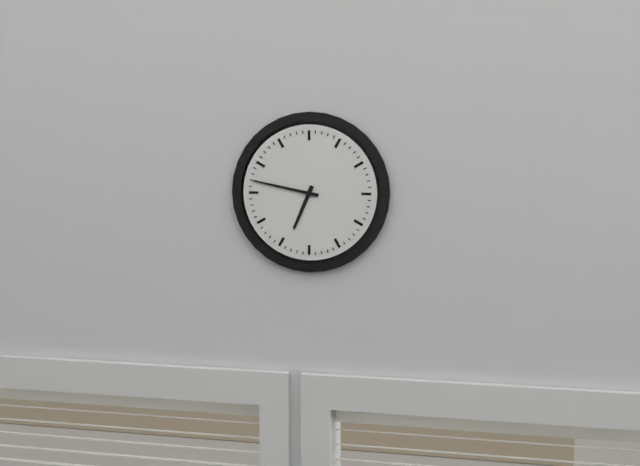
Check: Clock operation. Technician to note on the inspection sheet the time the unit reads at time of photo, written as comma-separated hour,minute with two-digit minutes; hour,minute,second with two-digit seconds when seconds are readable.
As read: 6,47
